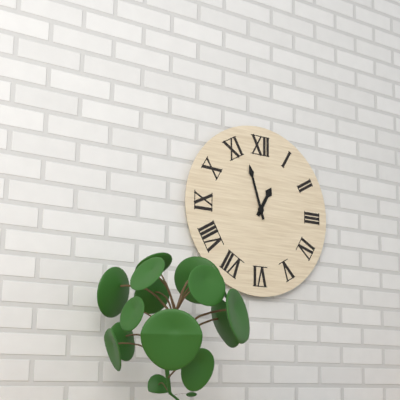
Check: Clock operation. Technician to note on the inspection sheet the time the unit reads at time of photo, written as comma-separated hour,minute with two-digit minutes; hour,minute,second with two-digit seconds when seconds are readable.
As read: 12,57
